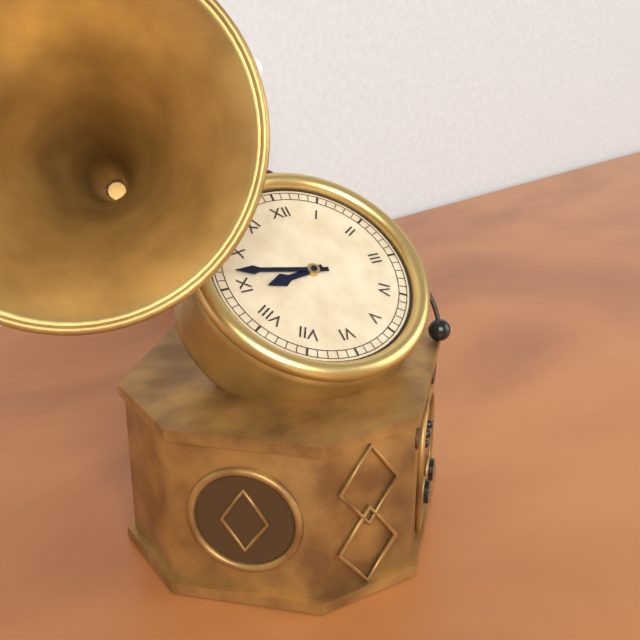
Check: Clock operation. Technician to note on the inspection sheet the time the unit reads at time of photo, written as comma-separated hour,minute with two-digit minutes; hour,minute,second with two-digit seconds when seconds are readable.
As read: 8,47
